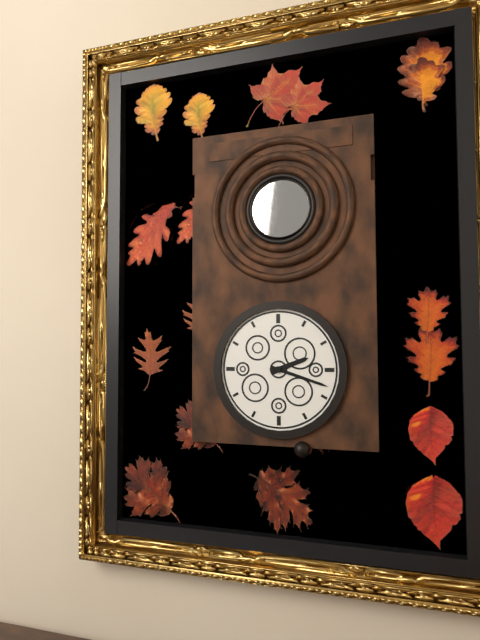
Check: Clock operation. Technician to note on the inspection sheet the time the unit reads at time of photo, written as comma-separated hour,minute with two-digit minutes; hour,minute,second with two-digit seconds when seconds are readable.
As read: 2,18
